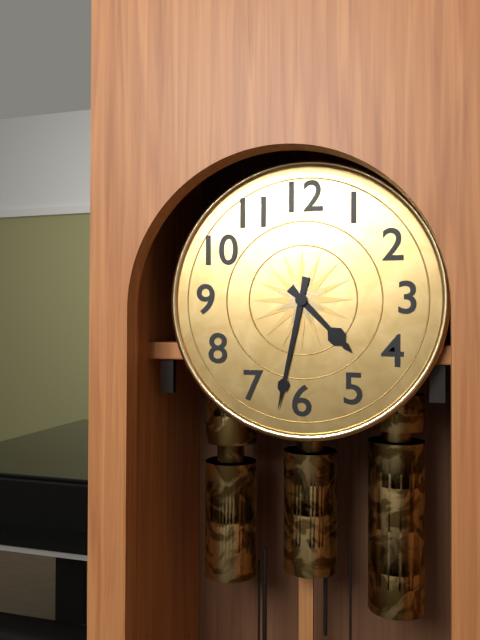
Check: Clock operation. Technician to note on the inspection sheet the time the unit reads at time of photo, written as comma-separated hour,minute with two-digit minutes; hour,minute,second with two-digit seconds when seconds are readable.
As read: 4,32
